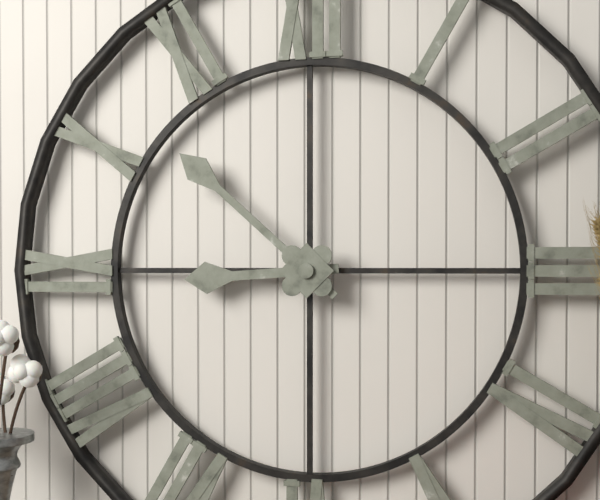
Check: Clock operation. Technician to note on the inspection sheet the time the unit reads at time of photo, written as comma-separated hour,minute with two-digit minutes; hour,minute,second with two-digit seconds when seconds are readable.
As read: 8,52
